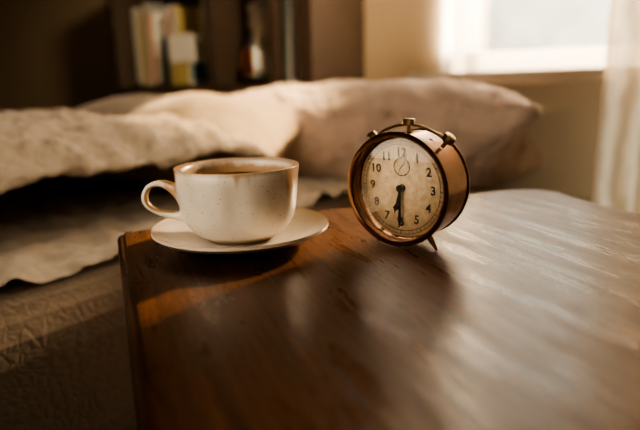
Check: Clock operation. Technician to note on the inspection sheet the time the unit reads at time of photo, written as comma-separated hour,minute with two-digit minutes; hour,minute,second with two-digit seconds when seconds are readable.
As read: 6,30
